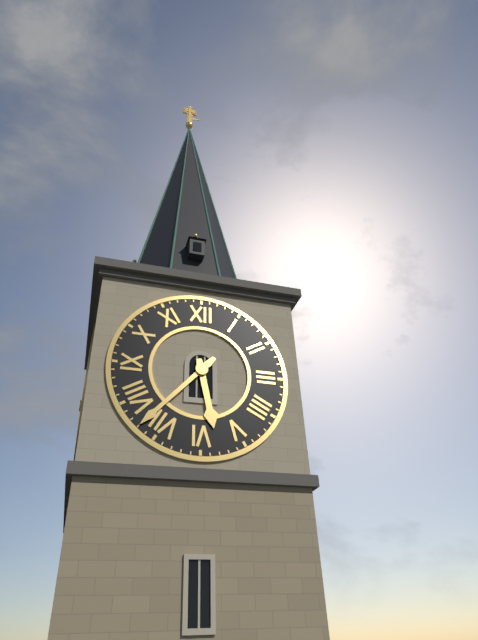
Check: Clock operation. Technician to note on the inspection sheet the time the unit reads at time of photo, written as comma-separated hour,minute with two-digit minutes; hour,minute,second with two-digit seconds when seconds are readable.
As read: 5,37
